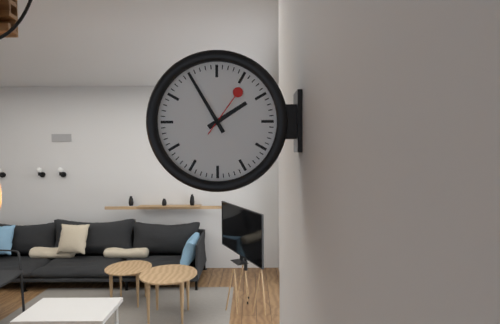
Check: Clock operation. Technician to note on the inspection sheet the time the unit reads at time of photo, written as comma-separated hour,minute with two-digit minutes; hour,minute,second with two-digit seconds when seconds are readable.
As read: 1,55,06
